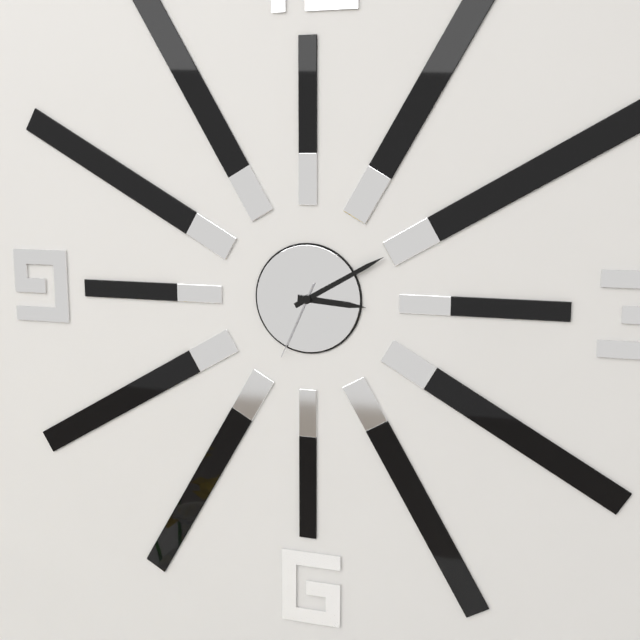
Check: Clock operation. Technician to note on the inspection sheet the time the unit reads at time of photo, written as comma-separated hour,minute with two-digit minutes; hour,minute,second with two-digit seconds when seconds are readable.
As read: 3,10,34
